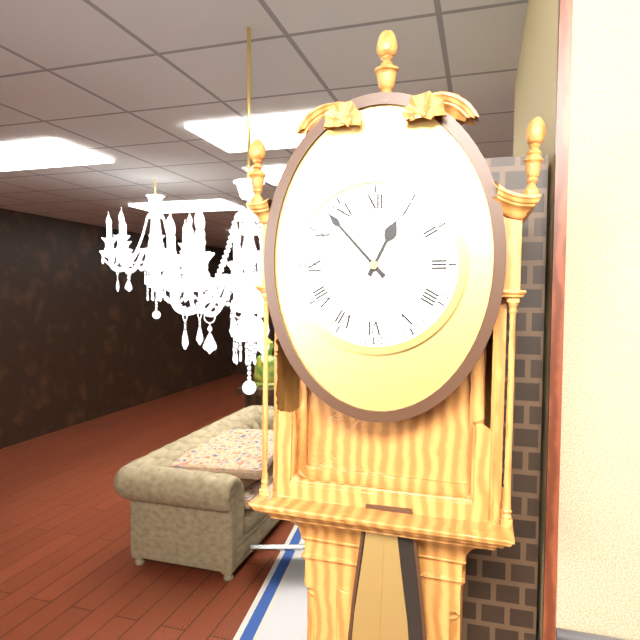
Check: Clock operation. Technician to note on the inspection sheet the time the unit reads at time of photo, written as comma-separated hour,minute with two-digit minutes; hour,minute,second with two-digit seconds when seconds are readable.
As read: 12,53
